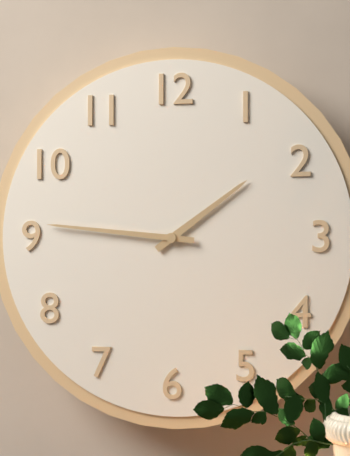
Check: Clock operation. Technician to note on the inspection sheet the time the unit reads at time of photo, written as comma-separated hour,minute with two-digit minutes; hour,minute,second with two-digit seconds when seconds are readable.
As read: 1,46
